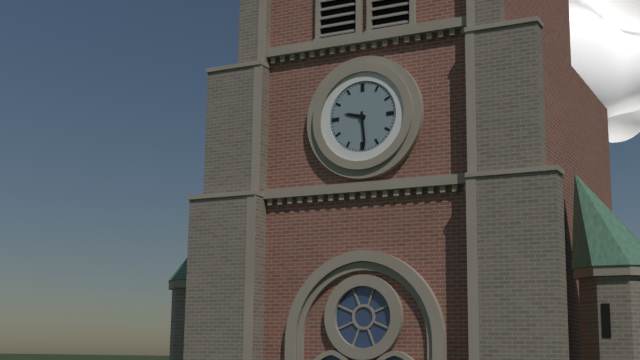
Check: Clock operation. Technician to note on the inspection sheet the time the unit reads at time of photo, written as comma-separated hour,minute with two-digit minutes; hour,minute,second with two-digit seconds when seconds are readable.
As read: 9,29
